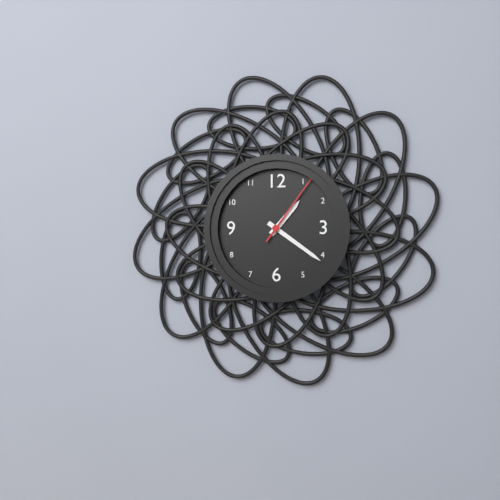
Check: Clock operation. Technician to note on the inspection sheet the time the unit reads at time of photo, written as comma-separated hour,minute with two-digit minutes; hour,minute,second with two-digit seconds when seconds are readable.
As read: 1,21,06
